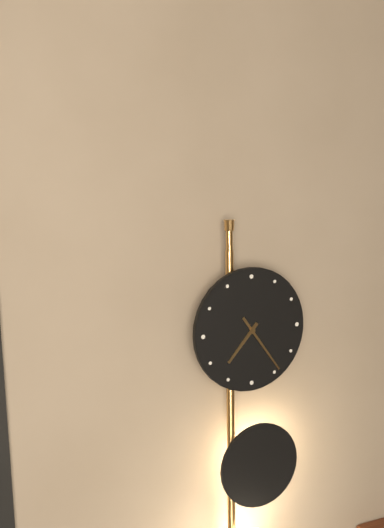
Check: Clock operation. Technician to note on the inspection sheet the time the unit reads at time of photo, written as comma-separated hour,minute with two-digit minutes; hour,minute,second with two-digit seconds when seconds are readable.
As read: 7,24
